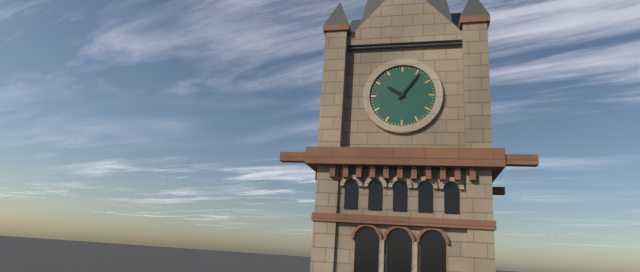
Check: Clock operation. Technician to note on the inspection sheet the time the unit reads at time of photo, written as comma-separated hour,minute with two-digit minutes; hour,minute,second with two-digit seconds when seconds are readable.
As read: 10,06
